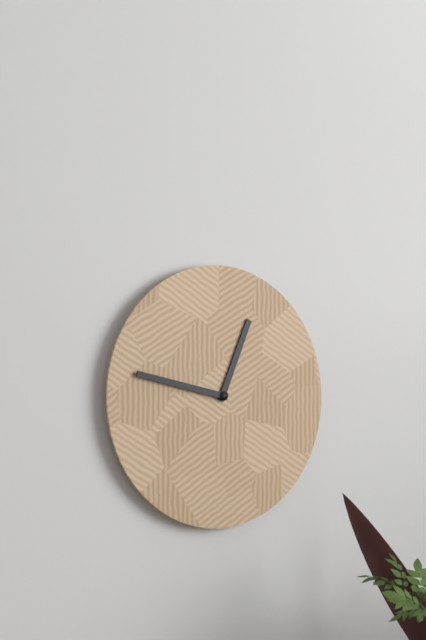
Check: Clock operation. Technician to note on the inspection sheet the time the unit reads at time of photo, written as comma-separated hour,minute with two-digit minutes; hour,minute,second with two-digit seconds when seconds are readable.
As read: 12,47
